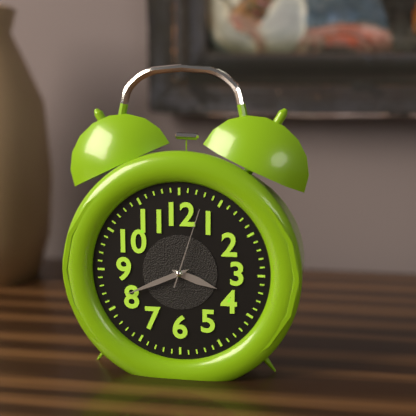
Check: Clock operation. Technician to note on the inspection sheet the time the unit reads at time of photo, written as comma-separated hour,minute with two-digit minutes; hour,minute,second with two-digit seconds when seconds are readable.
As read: 3,41,03
